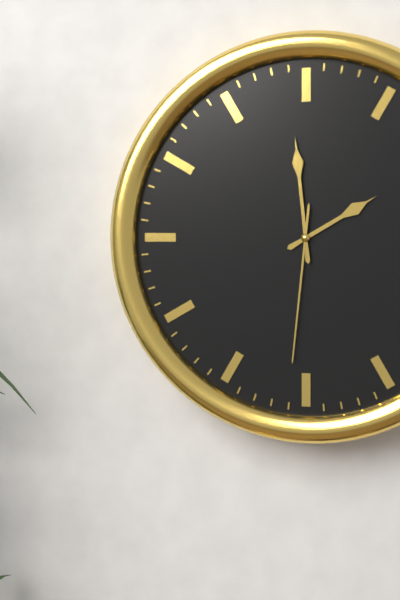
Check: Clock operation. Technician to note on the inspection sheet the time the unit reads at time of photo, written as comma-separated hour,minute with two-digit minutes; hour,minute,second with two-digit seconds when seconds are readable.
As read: 1,59,31
